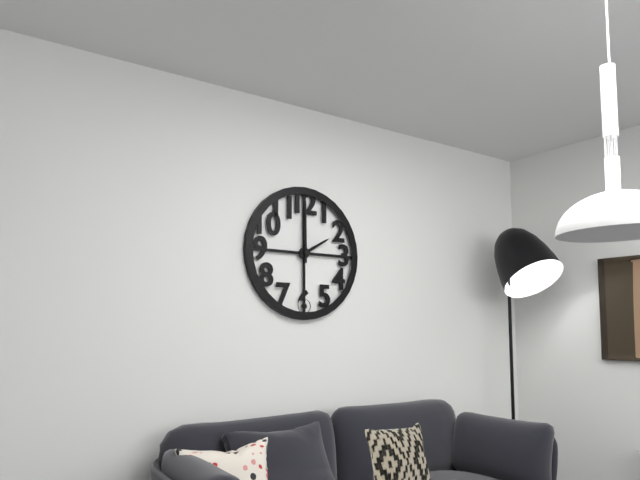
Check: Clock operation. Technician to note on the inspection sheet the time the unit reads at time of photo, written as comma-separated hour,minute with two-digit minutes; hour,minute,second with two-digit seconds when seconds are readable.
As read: 2,00
